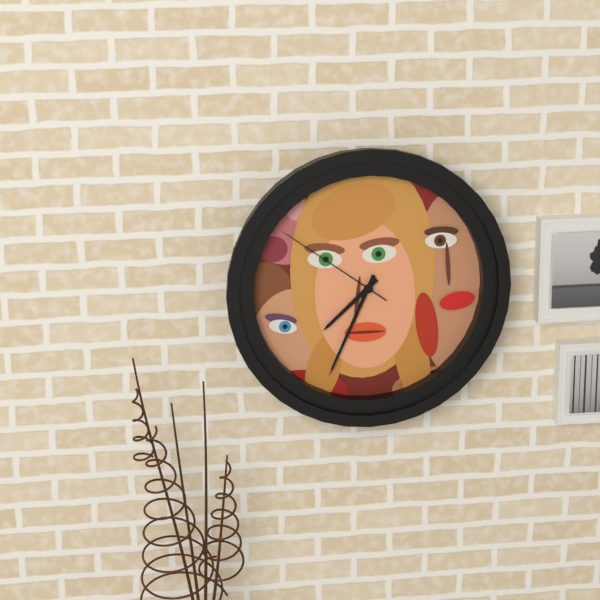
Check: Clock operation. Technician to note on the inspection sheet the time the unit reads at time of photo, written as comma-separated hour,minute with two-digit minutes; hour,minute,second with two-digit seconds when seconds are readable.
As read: 7,34,51
